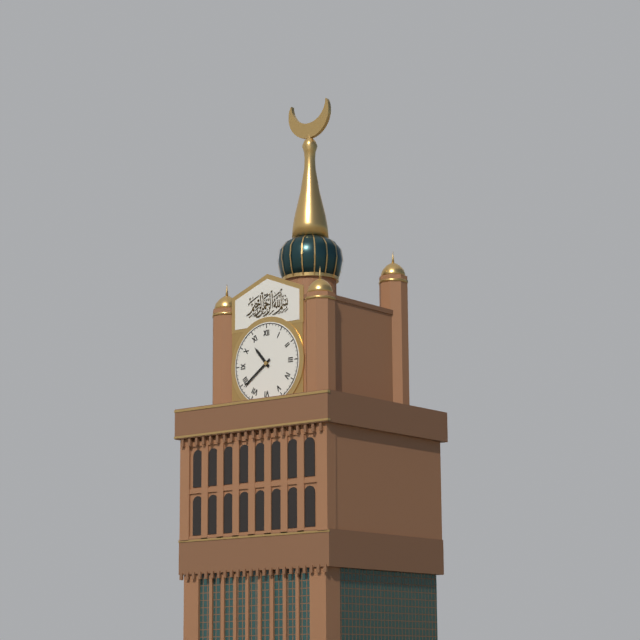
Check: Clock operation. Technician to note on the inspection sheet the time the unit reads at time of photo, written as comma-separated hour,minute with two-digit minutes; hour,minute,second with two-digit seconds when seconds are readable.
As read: 10,39
